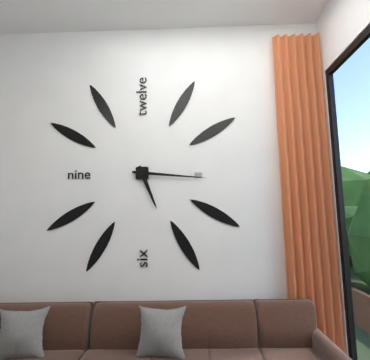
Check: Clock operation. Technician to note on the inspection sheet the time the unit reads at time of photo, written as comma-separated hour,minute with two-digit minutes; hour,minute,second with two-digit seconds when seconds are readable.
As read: 5,16
